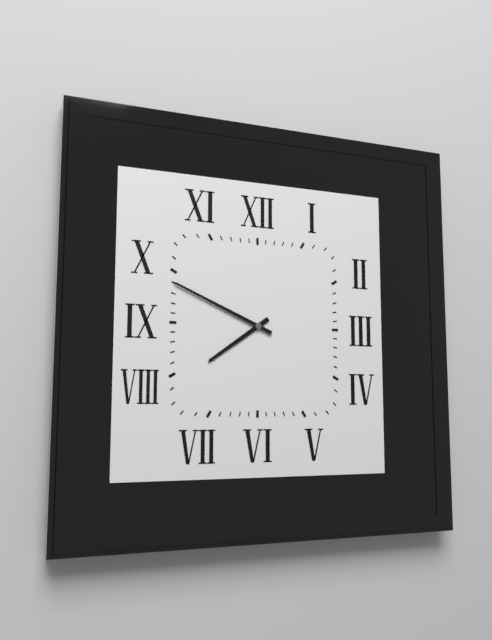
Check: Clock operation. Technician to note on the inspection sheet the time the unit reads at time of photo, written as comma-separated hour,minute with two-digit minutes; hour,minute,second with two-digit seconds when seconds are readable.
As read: 7,49
